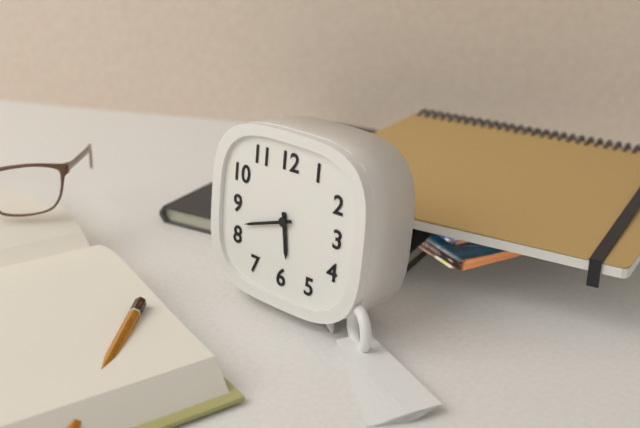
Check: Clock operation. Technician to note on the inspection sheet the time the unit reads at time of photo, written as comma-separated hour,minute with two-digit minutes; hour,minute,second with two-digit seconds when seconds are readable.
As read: 5,42
